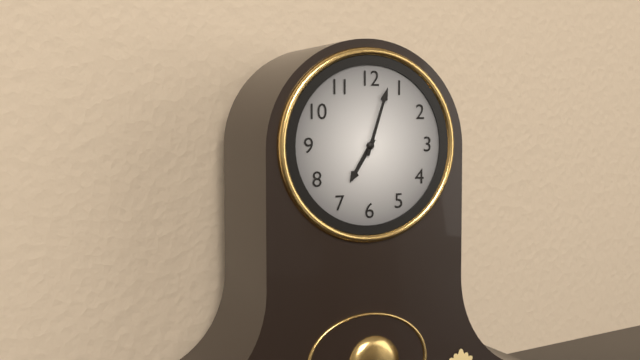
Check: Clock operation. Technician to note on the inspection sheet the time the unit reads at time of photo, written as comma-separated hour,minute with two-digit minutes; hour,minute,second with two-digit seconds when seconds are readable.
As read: 7,03
